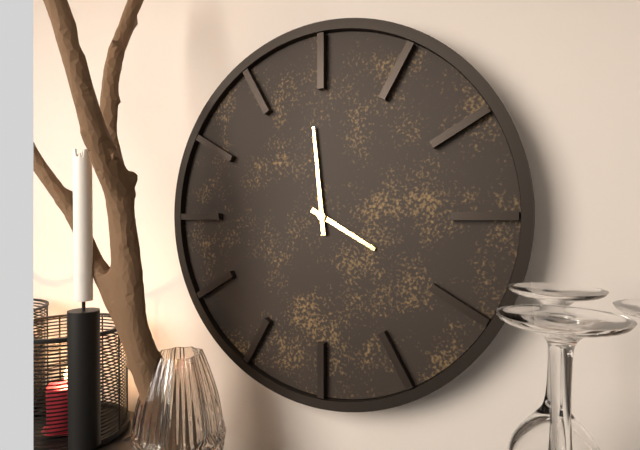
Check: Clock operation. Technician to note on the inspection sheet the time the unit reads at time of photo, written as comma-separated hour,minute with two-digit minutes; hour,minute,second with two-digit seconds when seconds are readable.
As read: 3,59
